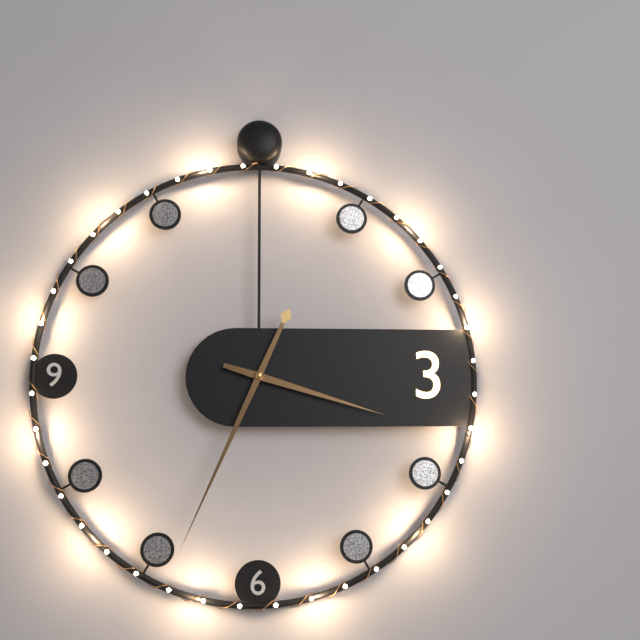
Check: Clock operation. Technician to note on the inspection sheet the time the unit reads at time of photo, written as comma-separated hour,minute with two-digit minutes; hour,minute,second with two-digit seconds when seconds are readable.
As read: 3,34
